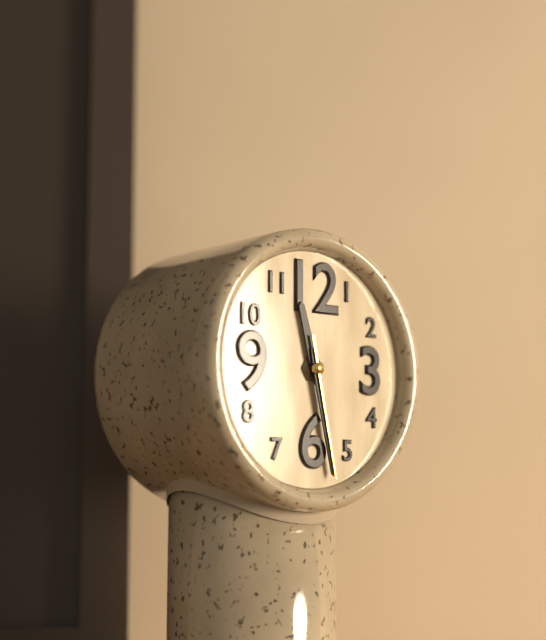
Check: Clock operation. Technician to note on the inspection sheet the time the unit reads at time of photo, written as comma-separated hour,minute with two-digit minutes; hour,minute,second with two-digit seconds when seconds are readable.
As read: 11,28,28
